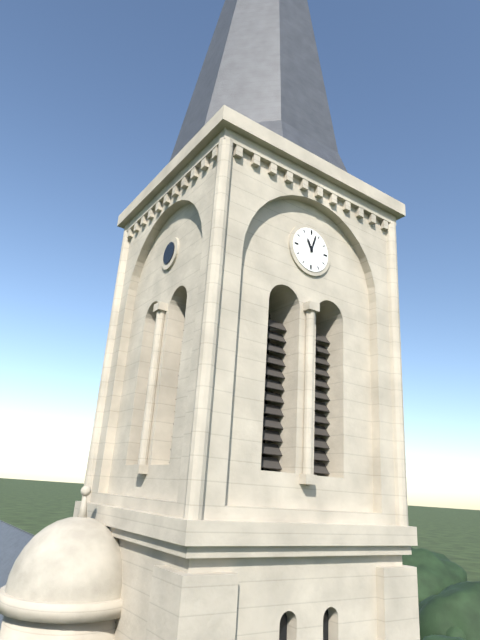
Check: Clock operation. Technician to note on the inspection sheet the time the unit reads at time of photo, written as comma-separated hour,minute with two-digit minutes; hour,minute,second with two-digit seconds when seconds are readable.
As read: 11,03
